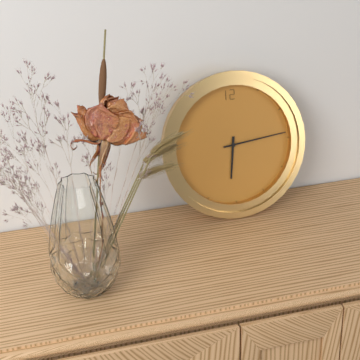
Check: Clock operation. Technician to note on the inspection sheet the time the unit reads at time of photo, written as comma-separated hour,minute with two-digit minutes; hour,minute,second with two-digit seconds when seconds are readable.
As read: 6,14
